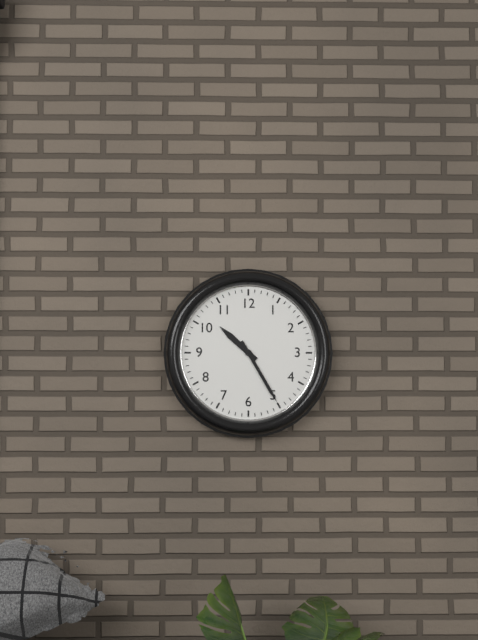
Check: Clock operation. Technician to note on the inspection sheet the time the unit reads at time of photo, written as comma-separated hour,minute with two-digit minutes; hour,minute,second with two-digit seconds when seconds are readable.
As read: 10,25
